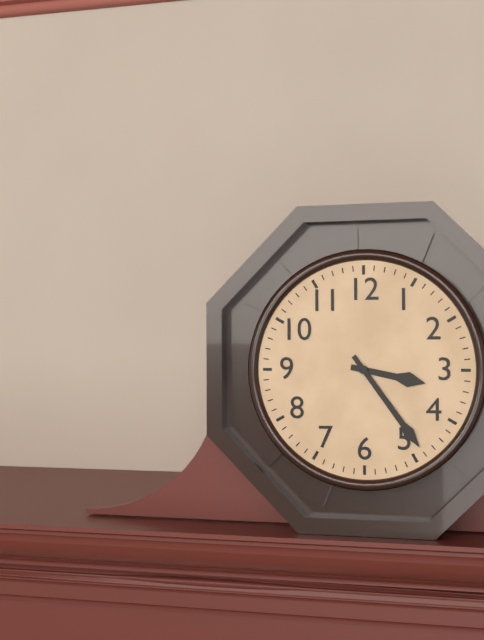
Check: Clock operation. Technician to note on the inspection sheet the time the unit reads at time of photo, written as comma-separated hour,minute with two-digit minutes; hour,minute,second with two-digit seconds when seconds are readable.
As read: 3,24
